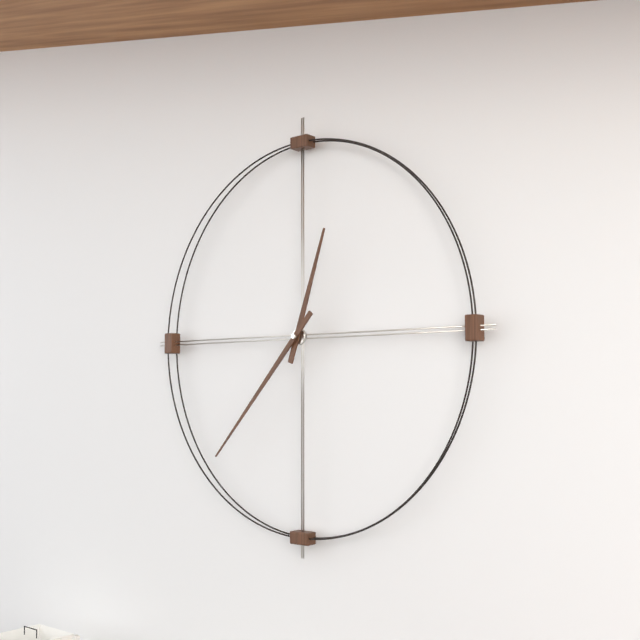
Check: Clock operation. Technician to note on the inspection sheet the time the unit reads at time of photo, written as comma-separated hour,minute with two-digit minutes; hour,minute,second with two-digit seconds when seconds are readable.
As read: 12,37
